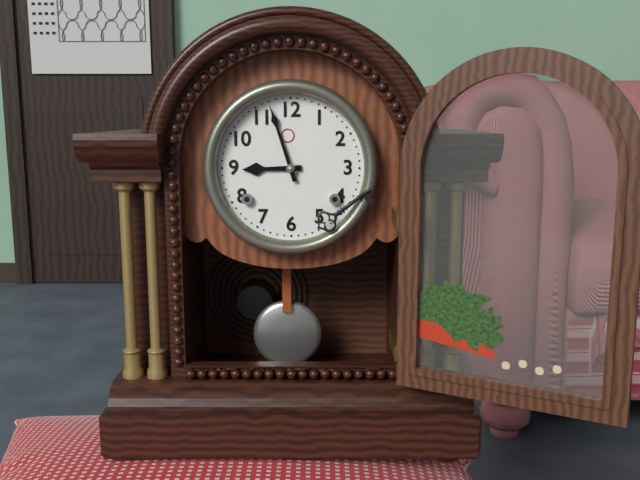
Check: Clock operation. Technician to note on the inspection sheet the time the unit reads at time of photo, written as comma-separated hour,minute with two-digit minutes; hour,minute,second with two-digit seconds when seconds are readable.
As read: 8,57
